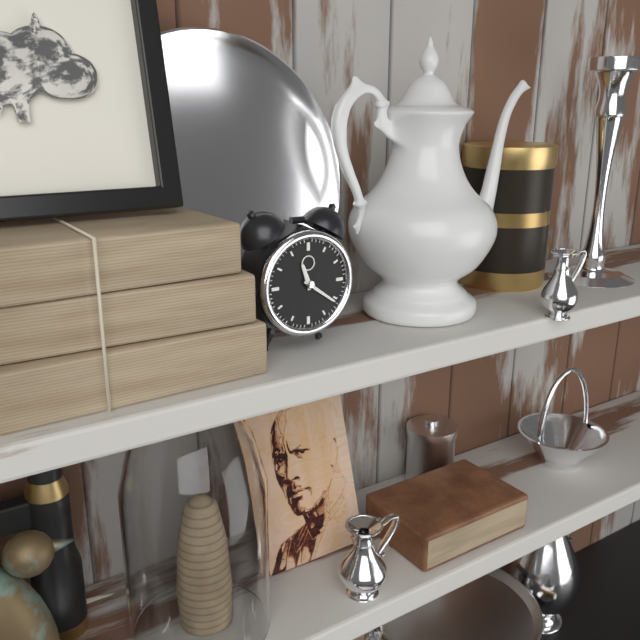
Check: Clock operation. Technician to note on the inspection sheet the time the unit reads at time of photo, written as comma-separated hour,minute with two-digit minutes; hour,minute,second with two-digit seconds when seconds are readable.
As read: 11,21
